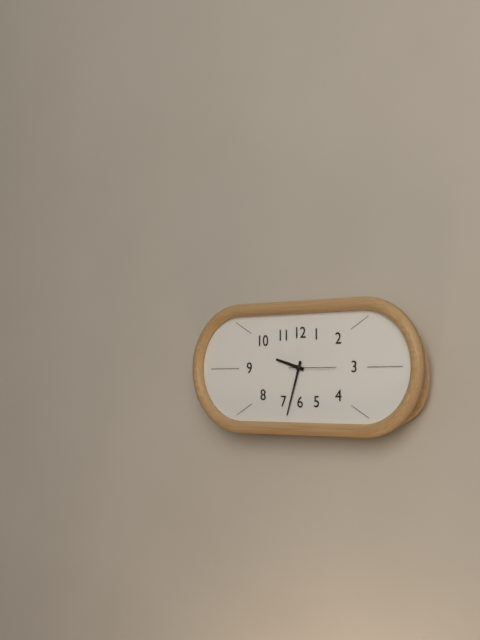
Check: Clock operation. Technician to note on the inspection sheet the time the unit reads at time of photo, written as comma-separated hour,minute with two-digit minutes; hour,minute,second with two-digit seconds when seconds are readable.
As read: 9,33
